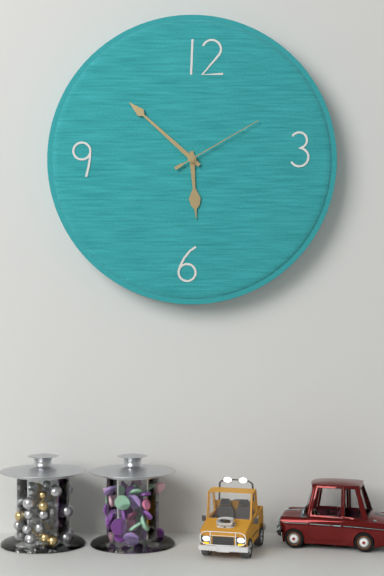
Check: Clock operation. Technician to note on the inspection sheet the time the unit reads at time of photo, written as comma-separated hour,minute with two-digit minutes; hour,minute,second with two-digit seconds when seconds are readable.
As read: 5,52,10
